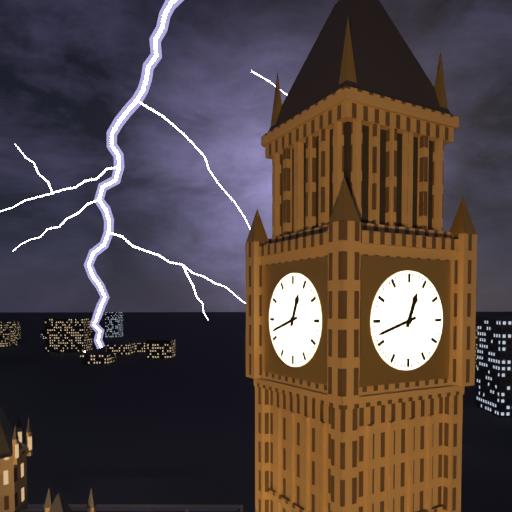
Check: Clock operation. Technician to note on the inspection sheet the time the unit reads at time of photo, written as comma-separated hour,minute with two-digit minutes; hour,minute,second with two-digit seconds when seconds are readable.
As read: 12,42
